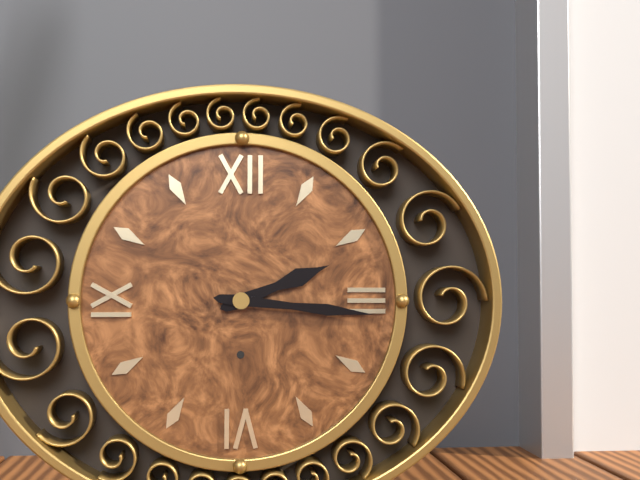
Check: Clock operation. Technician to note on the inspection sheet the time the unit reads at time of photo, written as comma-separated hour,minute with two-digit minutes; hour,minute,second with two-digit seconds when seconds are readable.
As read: 2,16
